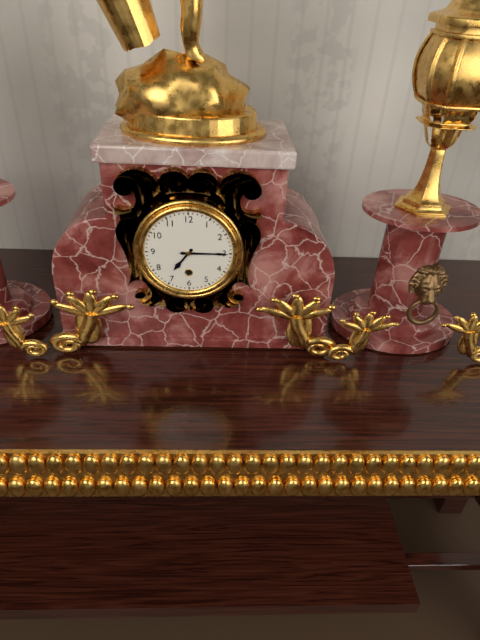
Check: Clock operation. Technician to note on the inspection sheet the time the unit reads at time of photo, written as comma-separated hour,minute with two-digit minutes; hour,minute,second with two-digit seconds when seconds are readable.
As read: 7,15
